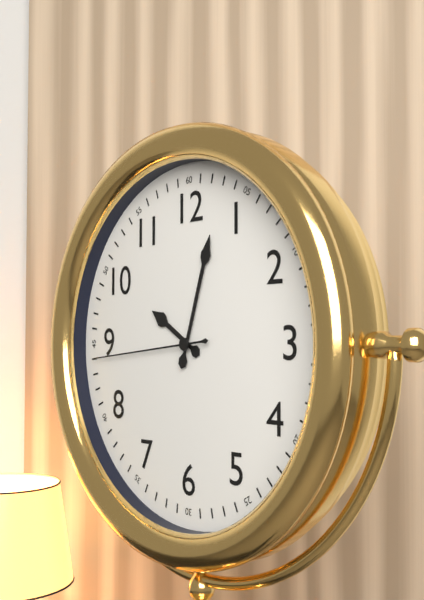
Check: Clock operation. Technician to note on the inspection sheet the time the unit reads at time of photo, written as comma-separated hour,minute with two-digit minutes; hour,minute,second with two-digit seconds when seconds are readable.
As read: 10,03,44
